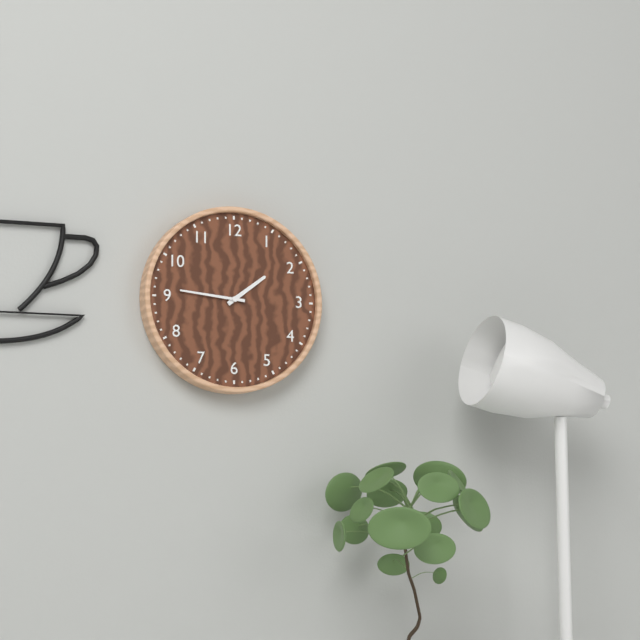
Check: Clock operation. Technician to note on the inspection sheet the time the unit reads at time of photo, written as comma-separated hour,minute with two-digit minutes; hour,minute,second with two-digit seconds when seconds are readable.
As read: 1,46
